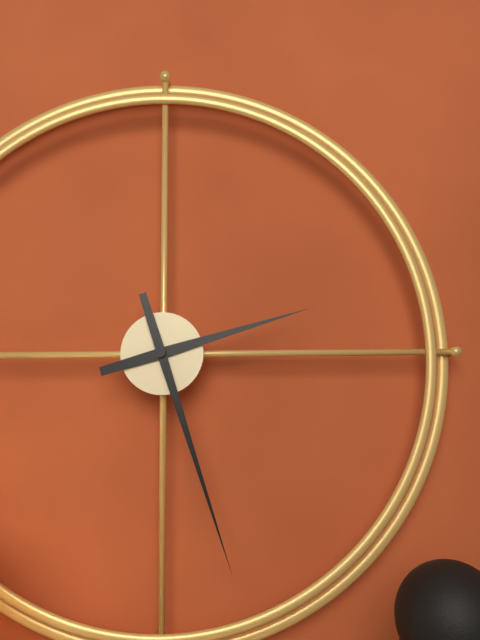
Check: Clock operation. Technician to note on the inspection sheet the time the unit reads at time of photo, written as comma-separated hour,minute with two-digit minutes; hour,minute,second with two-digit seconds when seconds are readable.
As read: 2,27
